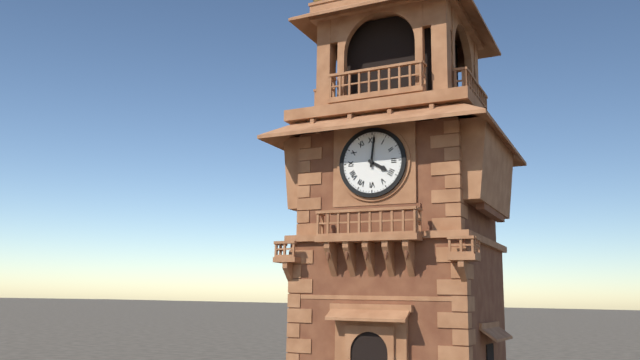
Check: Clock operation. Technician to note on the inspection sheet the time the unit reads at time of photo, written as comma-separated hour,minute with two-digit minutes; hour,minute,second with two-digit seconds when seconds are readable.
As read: 4,01
